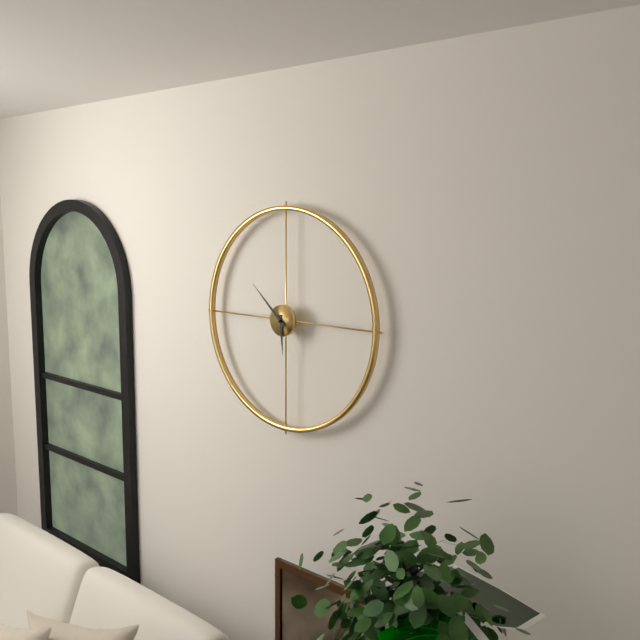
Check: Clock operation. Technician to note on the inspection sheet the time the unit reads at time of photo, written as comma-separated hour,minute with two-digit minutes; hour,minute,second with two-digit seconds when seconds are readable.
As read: 5,52
